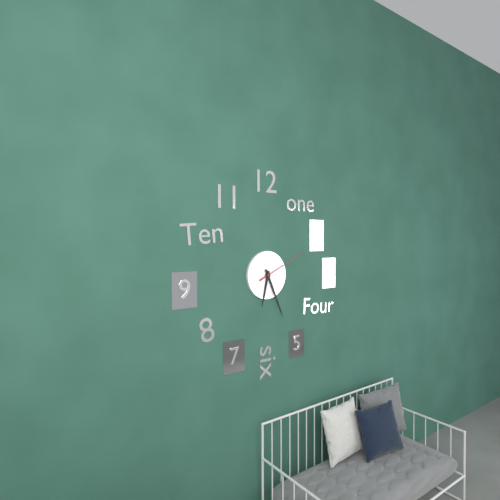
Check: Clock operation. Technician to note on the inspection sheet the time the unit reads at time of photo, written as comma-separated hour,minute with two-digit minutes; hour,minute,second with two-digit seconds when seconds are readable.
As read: 6,26,11
